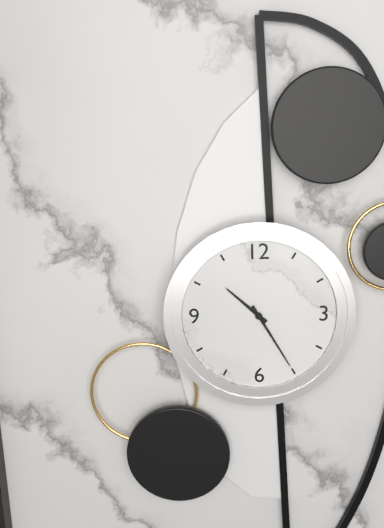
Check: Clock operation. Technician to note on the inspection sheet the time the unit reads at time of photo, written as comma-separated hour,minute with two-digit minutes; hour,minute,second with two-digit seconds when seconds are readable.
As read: 10,25
